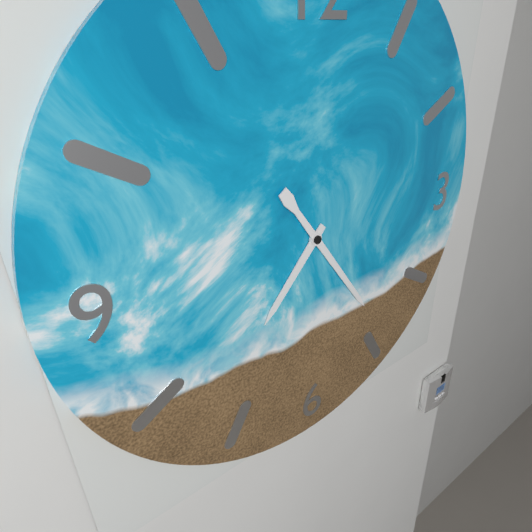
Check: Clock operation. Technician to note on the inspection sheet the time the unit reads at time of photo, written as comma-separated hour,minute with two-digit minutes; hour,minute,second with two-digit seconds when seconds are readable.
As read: 7,24
